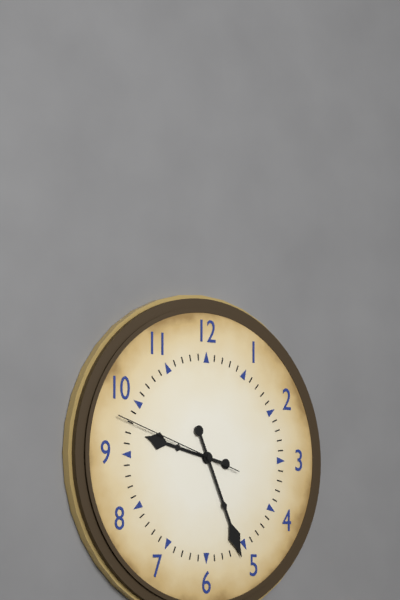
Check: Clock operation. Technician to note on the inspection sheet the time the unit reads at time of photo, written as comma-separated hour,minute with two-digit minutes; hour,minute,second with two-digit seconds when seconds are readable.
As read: 9,26,48
